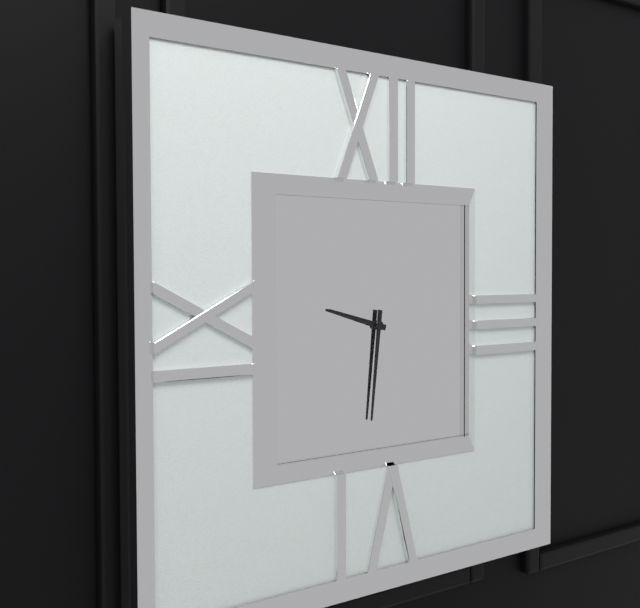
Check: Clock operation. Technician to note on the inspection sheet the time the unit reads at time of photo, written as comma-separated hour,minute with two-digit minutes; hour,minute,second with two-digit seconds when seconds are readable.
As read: 9,31
